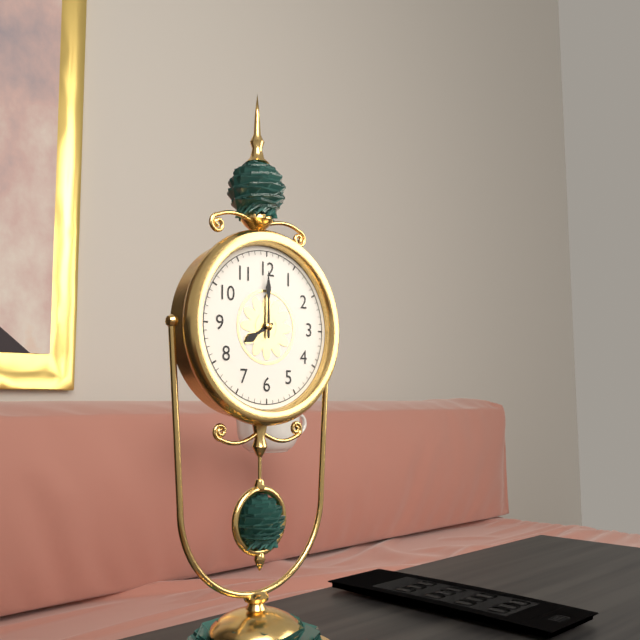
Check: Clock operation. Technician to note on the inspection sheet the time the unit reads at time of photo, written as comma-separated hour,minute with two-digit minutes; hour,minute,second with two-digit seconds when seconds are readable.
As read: 8,00
